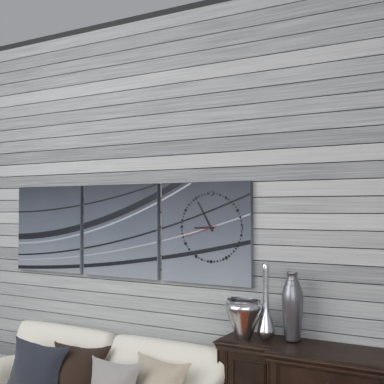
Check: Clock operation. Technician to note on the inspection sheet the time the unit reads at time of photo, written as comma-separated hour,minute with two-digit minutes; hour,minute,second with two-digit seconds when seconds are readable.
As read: 8,55
